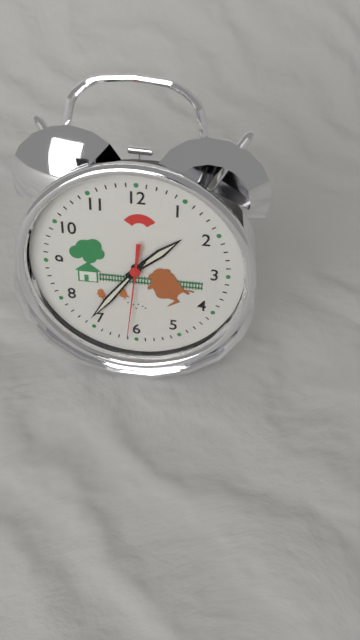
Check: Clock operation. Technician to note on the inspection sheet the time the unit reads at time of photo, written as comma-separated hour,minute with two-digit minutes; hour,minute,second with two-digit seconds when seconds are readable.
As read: 1,36,31
